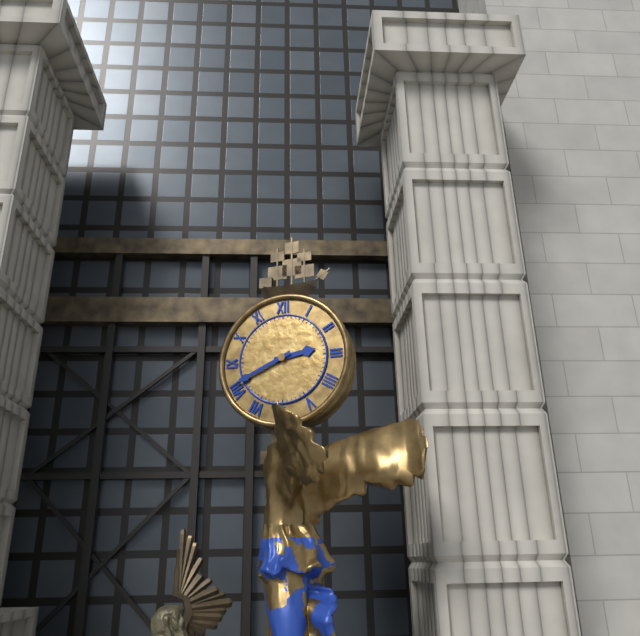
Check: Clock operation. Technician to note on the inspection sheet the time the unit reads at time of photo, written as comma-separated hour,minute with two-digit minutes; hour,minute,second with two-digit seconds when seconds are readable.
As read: 2,41
